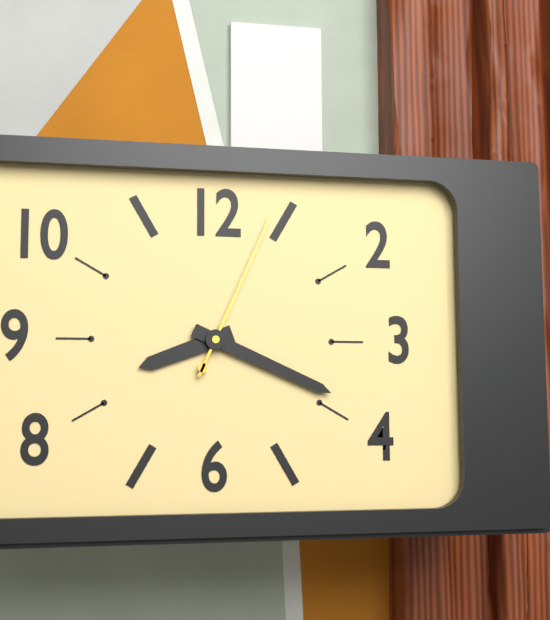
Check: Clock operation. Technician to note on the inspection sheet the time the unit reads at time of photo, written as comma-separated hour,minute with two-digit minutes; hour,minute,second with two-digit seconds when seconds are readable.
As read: 8,19,04
